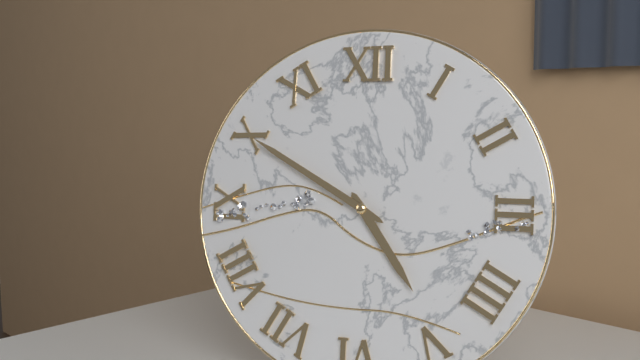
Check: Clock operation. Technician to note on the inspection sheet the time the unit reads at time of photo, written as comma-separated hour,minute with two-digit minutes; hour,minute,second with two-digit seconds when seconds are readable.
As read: 4,50
